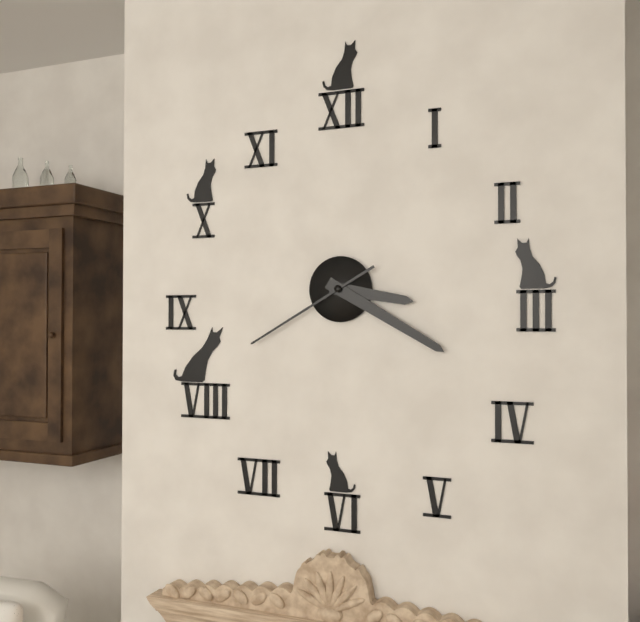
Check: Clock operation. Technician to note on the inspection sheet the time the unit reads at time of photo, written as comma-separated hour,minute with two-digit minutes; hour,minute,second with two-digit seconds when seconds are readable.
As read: 3,20,40
